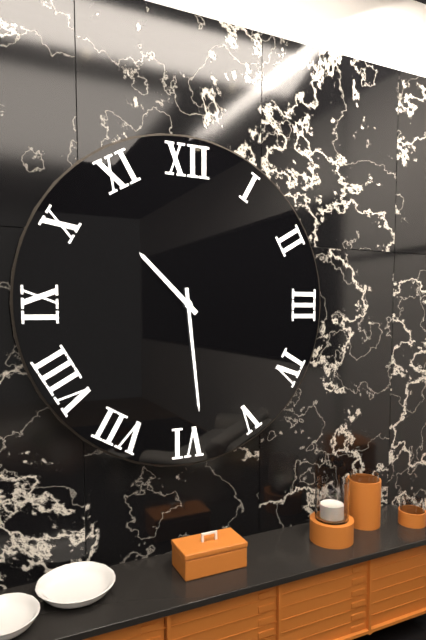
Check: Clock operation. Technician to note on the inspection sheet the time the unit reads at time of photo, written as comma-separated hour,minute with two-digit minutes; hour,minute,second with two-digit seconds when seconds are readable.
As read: 10,29
